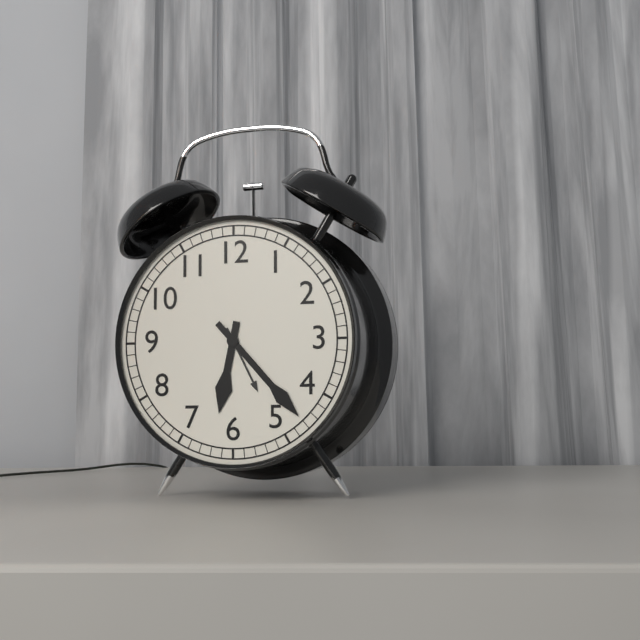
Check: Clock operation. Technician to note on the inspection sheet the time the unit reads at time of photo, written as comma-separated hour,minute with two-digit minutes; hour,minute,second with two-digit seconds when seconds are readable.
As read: 6,23
